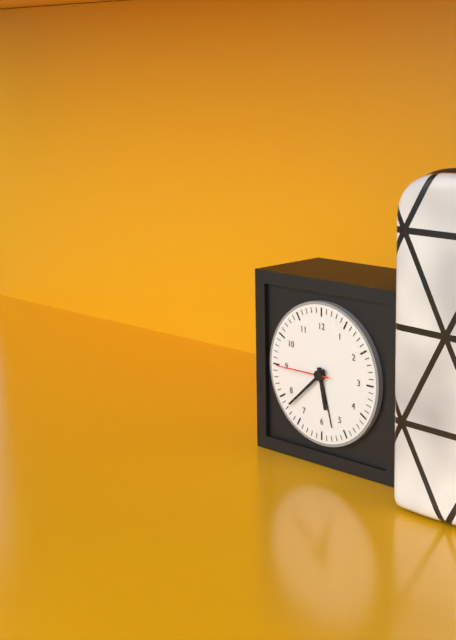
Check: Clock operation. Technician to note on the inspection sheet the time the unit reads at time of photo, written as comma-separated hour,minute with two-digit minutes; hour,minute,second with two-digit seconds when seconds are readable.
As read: 5,38,45
